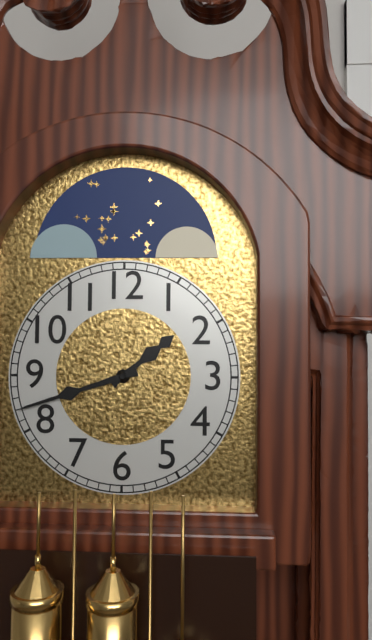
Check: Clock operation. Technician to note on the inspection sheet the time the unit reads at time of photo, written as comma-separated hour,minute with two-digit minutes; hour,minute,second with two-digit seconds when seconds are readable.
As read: 1,42
